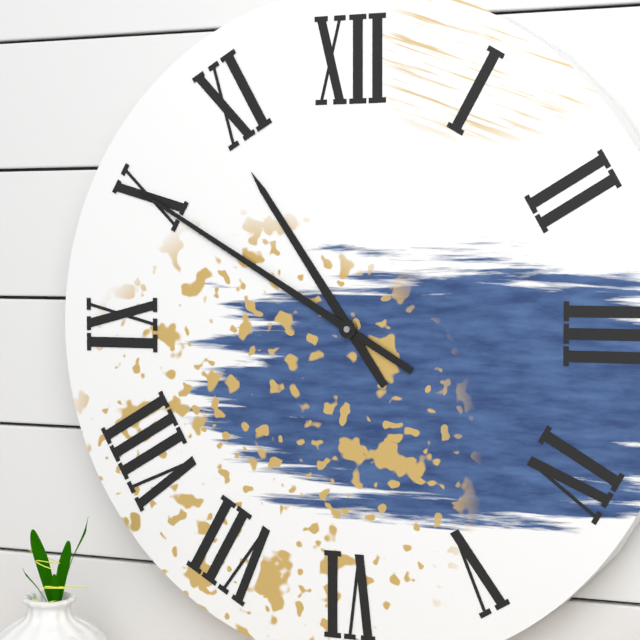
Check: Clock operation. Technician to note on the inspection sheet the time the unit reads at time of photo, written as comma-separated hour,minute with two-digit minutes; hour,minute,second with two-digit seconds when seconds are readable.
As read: 10,50
